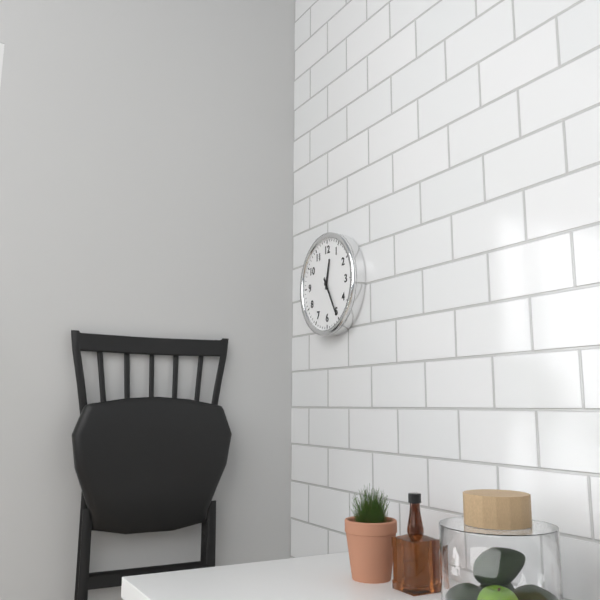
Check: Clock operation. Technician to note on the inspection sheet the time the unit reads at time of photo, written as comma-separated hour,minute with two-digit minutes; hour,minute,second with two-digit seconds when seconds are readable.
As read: 12,25
